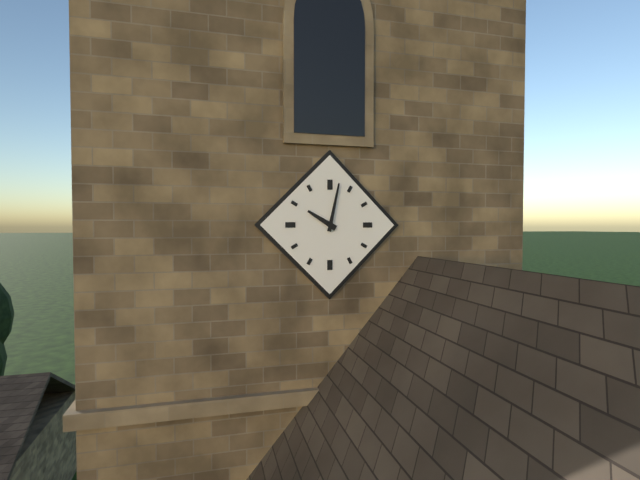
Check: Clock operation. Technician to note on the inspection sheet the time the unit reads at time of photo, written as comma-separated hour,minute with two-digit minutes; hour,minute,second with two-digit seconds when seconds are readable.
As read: 10,02
